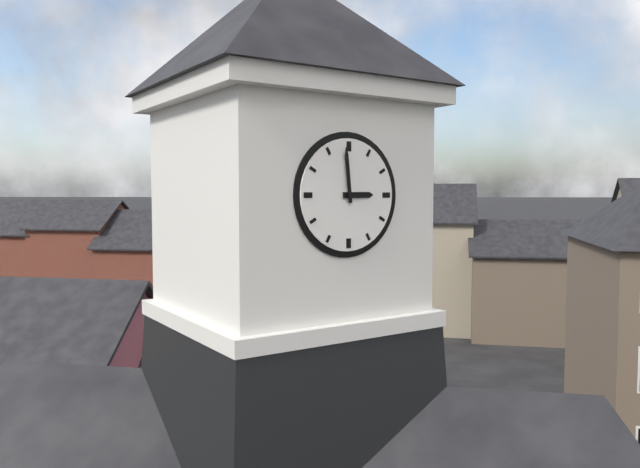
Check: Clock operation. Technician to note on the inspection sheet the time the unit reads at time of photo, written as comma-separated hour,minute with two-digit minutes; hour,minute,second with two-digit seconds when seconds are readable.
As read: 2,59
